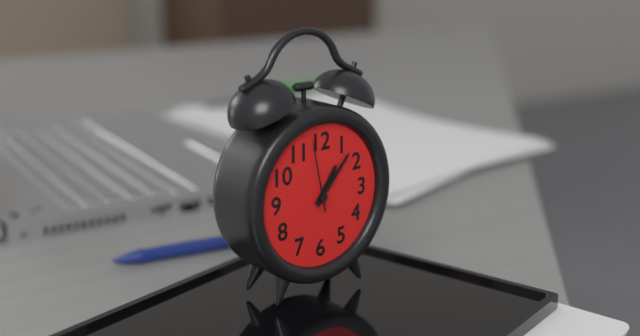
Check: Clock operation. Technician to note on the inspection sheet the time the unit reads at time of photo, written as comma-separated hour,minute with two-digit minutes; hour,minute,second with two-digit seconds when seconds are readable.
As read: 1,07,58
